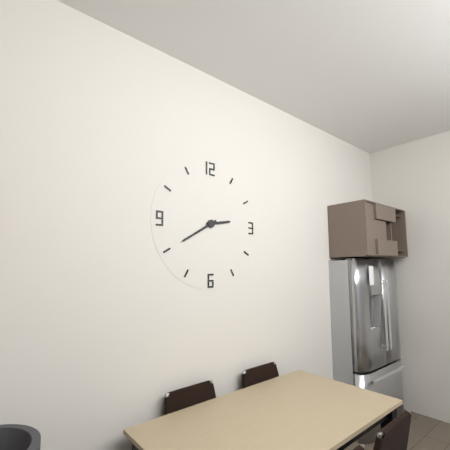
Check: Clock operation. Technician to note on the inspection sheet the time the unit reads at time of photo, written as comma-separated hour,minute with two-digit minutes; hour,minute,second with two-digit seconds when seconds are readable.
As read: 2,40
